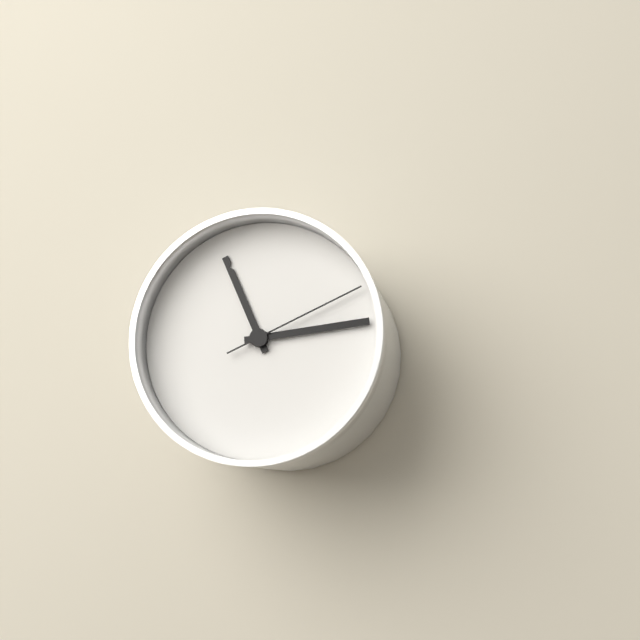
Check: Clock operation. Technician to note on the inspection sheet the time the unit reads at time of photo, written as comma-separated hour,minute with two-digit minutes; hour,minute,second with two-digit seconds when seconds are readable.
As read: 11,14,11
